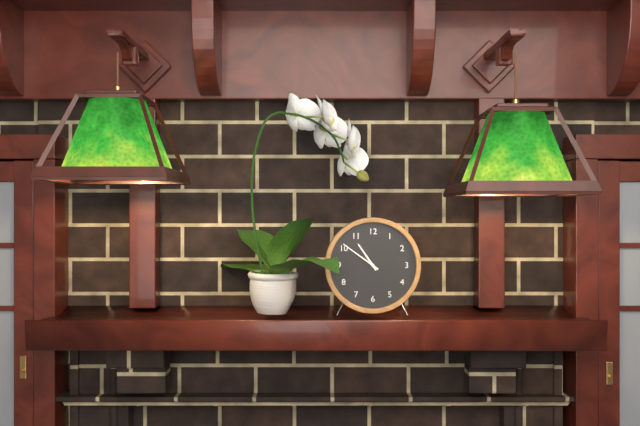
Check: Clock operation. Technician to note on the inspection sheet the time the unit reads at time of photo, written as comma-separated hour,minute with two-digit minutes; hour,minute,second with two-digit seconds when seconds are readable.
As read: 10,51
